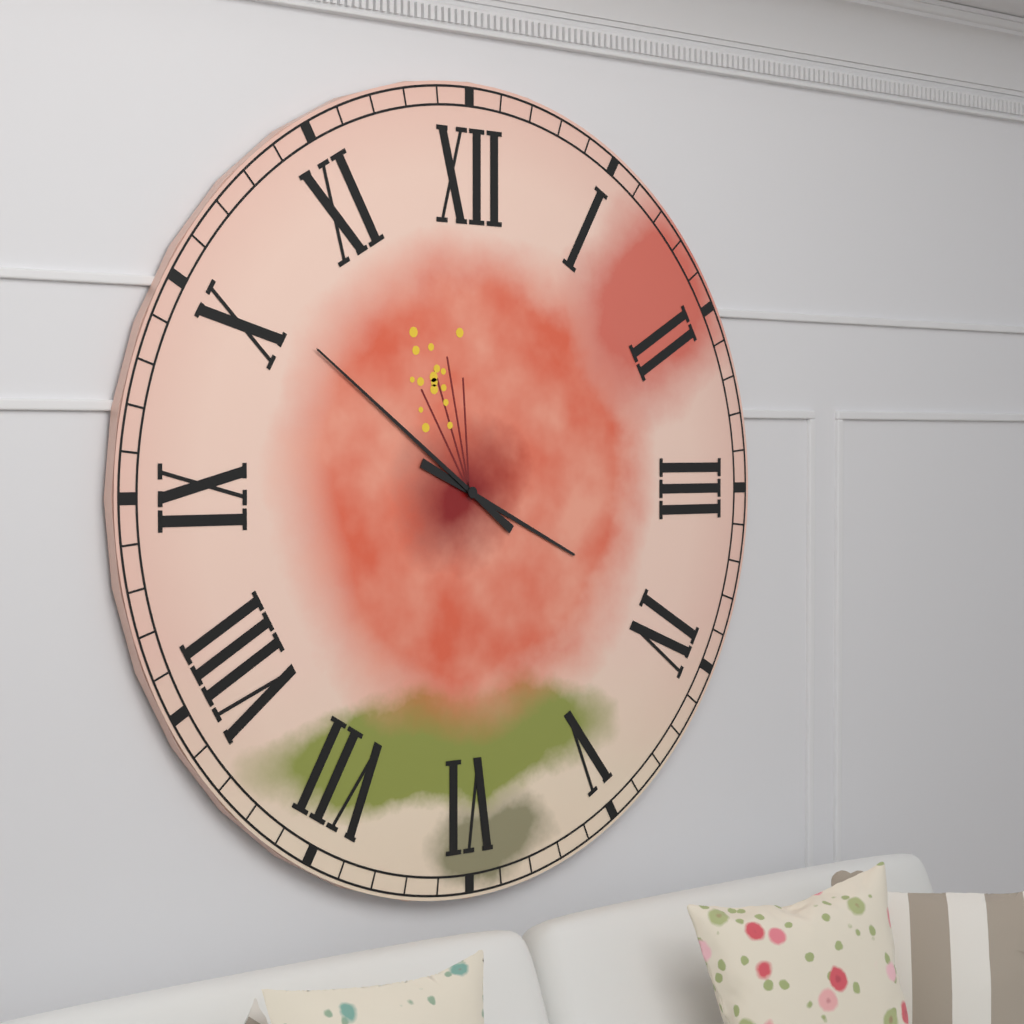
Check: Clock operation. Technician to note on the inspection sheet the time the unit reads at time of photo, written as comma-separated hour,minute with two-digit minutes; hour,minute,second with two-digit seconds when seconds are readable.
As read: 3,51
